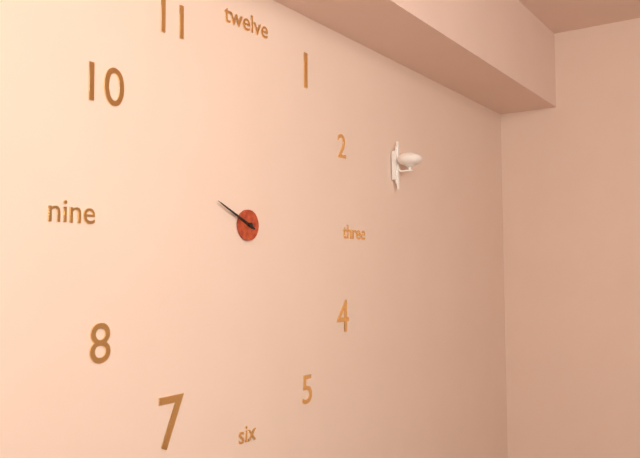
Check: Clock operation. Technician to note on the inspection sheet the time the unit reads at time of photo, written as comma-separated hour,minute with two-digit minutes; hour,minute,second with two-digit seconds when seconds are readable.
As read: 9,49
